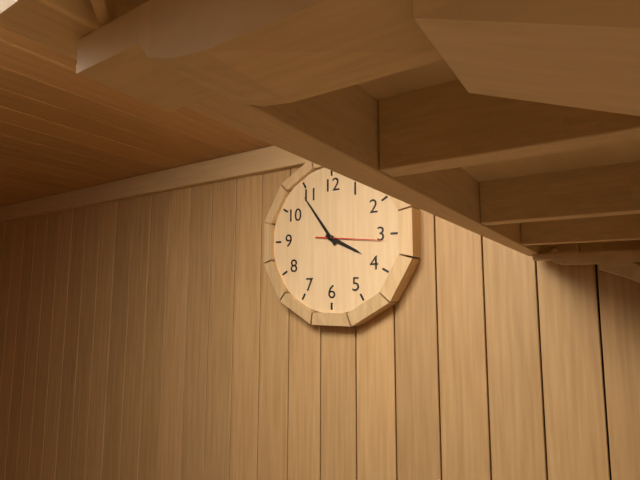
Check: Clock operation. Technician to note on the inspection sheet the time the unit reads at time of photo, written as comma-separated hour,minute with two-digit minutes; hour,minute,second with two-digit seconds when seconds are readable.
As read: 3,54,16
